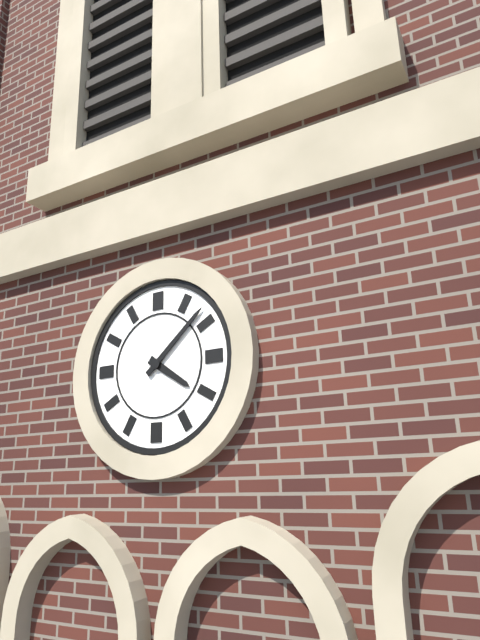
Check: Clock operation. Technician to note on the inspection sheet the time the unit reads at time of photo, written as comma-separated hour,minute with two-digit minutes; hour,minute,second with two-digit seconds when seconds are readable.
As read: 4,08
